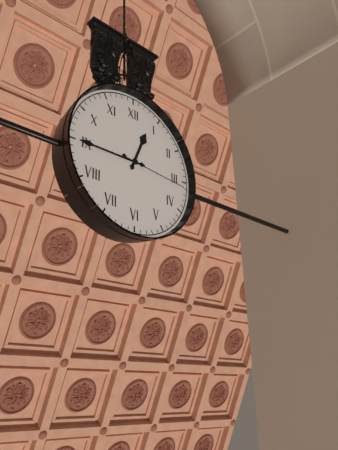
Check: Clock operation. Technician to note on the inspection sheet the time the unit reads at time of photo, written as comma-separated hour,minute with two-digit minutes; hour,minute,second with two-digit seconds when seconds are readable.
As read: 12,45,16
